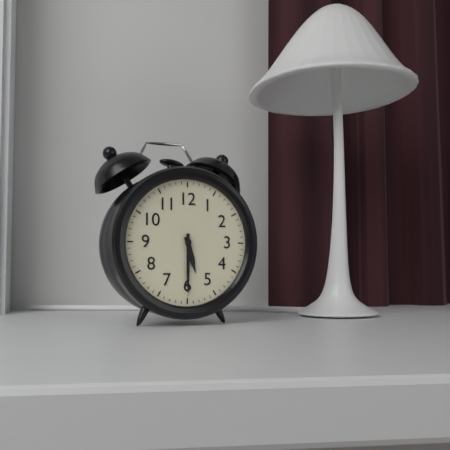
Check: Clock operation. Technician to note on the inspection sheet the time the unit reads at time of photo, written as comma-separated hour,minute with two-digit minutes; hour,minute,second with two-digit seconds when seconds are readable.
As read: 5,30
